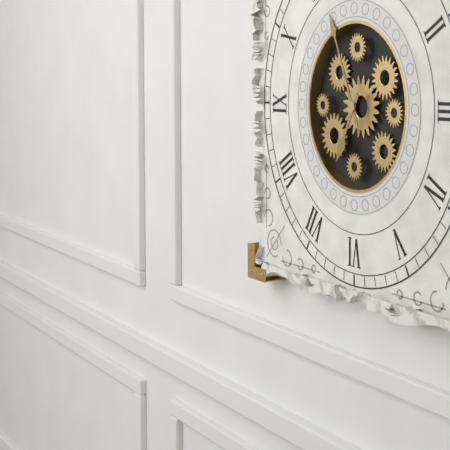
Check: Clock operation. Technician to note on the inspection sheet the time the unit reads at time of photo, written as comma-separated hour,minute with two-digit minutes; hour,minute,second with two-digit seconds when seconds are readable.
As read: 6,56
